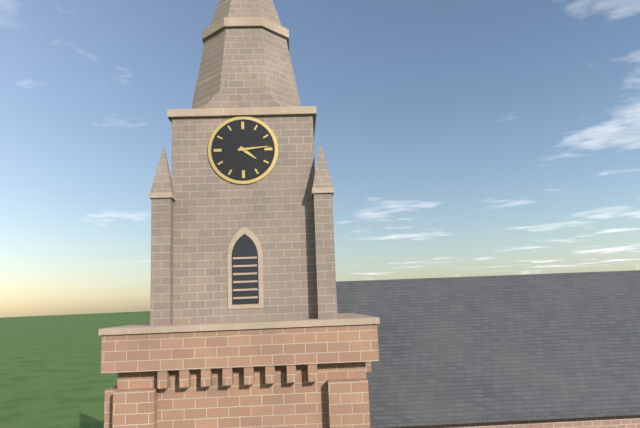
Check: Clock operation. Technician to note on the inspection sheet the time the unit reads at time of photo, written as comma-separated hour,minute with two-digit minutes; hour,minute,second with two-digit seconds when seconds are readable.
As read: 4,14
